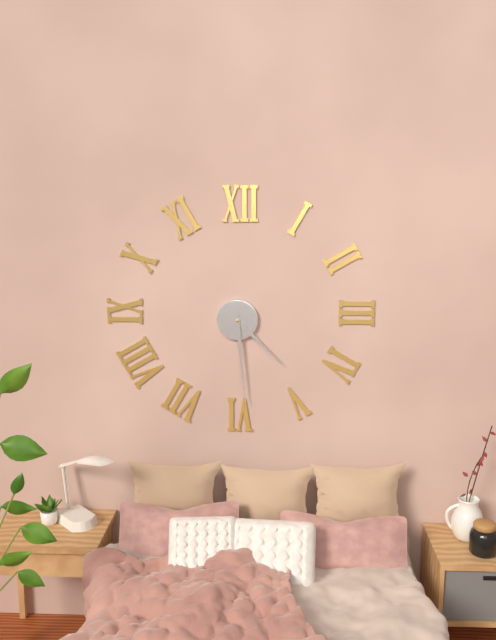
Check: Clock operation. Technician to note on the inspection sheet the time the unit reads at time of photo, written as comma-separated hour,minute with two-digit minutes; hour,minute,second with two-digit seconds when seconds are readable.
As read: 4,29
